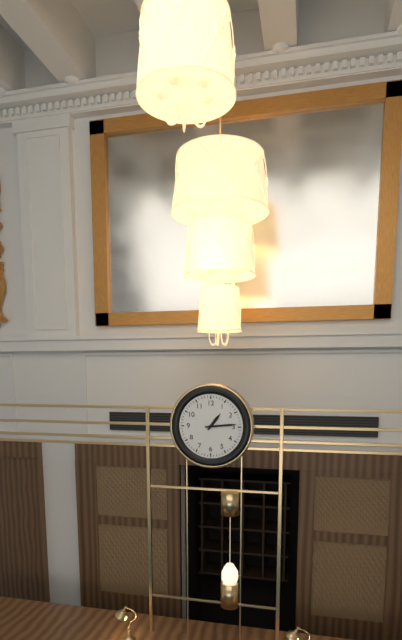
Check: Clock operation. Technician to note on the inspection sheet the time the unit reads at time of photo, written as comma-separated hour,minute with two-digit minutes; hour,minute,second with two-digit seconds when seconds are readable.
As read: 1,14
